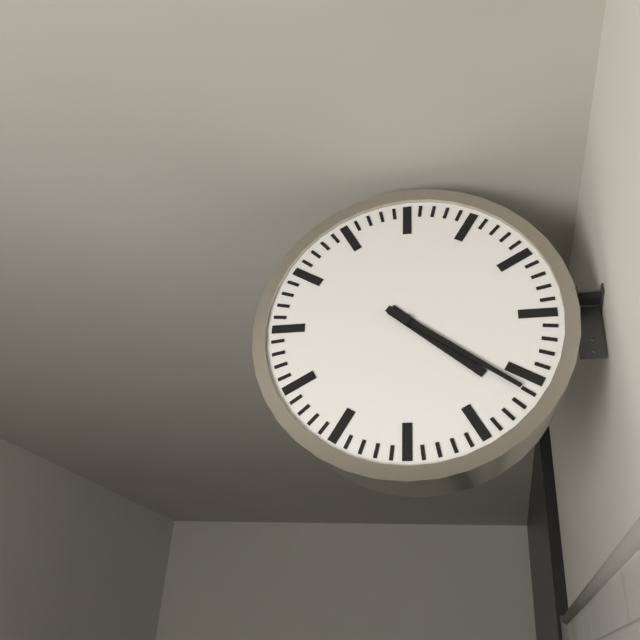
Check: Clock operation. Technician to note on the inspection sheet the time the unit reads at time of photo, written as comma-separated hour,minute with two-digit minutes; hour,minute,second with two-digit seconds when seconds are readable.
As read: 4,21
